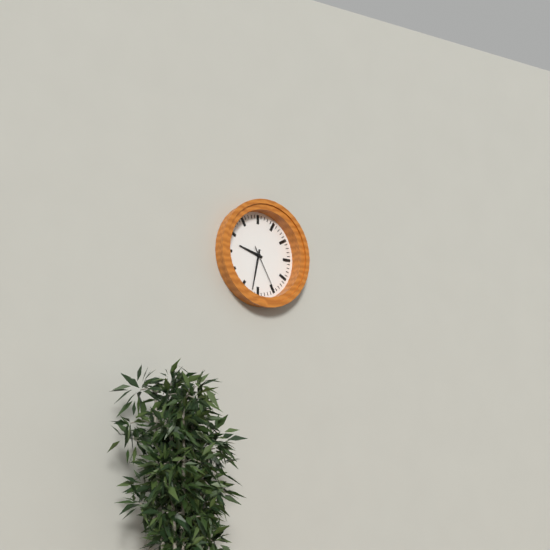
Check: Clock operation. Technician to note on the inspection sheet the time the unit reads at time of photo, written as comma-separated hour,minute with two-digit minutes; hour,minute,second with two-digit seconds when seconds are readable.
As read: 9,32
